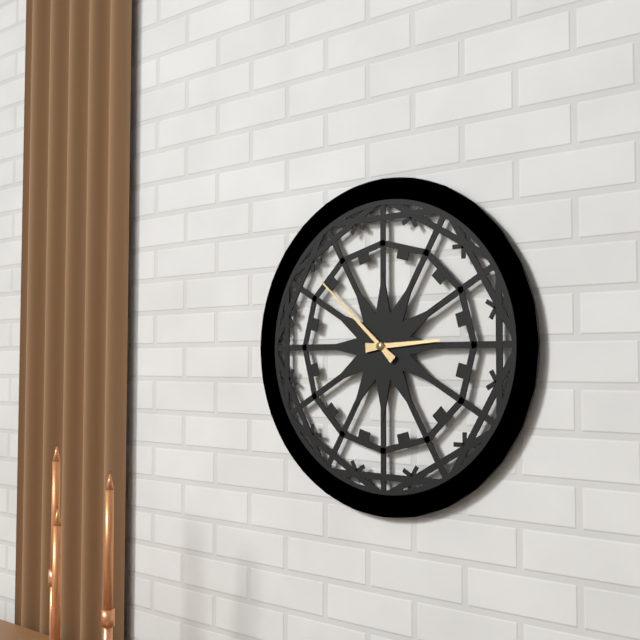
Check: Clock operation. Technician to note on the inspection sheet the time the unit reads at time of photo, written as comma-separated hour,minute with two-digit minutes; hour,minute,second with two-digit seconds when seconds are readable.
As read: 2,52
